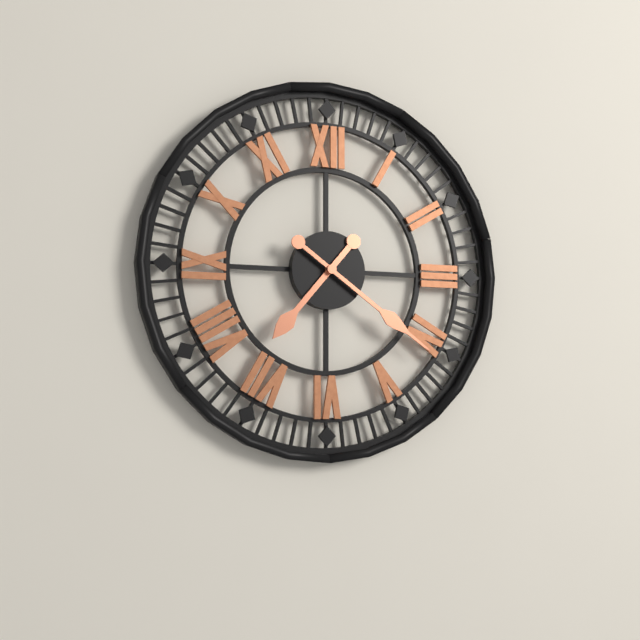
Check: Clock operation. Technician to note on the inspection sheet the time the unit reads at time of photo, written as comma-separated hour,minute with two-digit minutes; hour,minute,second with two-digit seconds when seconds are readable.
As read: 7,21
